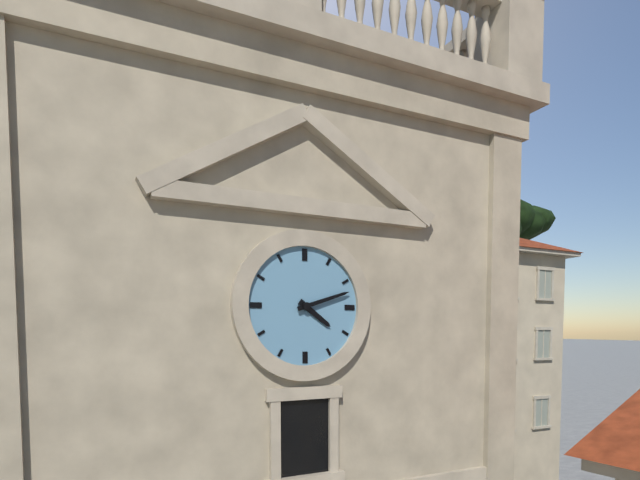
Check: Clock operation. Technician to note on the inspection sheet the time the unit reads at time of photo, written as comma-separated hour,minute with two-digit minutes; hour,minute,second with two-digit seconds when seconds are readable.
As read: 4,12
